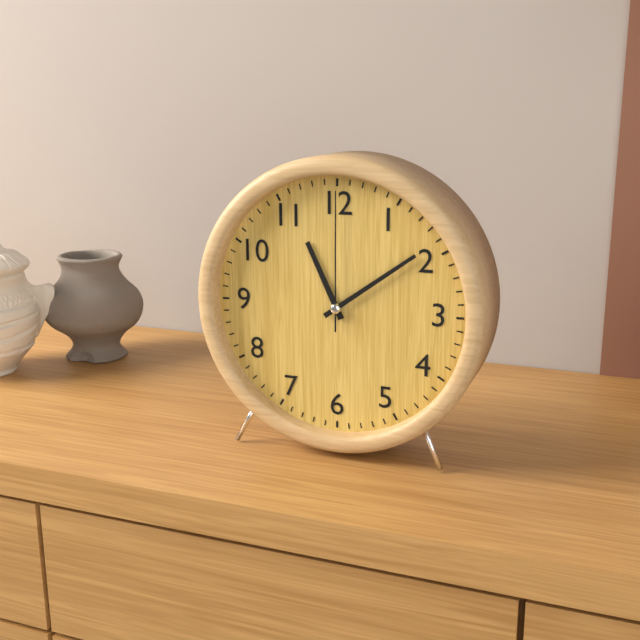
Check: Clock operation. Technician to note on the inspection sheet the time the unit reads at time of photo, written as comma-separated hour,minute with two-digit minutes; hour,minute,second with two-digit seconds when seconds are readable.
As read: 11,09,00
